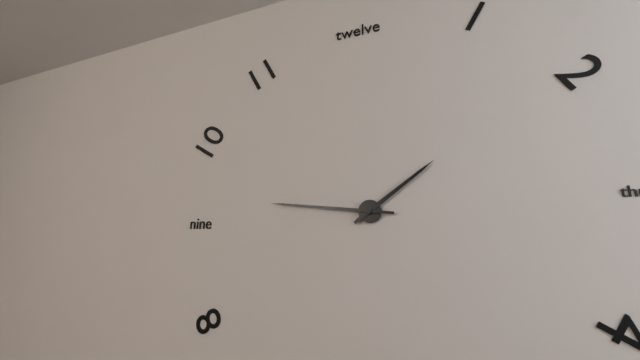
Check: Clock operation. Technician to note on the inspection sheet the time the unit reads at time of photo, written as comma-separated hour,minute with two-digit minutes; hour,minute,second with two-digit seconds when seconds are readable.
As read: 1,46
